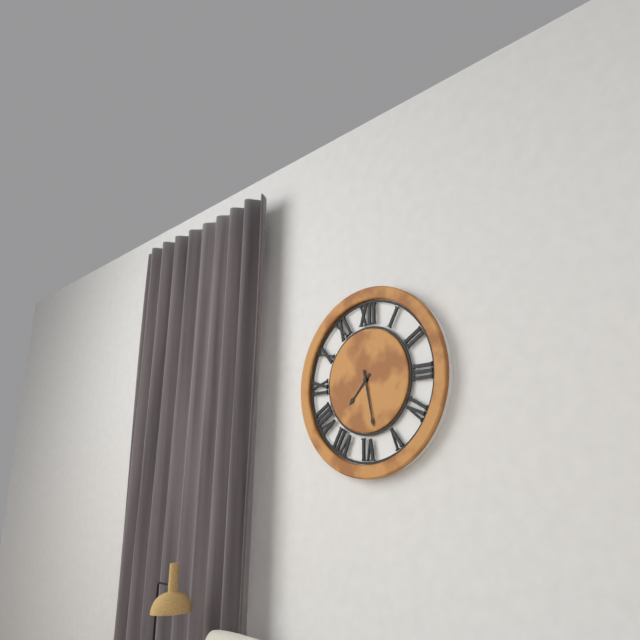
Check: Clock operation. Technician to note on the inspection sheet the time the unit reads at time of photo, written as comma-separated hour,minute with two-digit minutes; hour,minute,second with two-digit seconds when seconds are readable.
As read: 7,28
